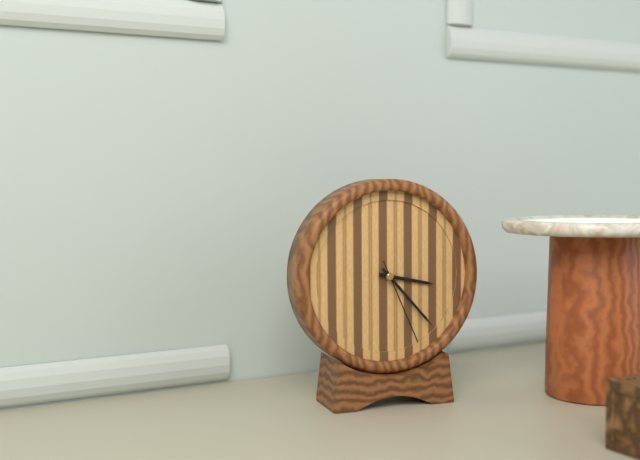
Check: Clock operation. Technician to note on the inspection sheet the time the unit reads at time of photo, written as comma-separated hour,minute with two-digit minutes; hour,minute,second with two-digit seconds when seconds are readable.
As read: 3,23,26
